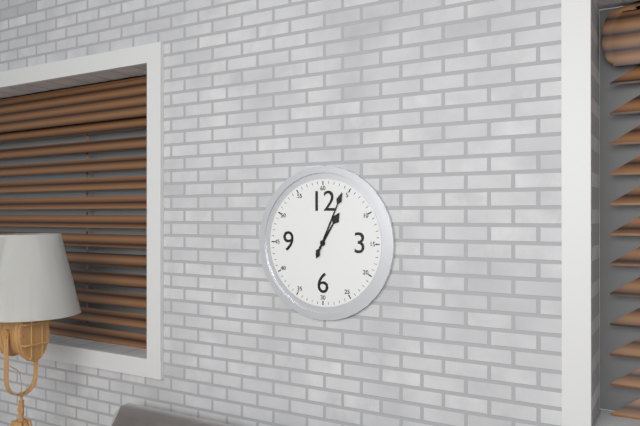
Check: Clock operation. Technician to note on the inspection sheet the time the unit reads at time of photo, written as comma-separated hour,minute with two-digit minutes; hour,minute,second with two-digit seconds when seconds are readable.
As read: 1,04
